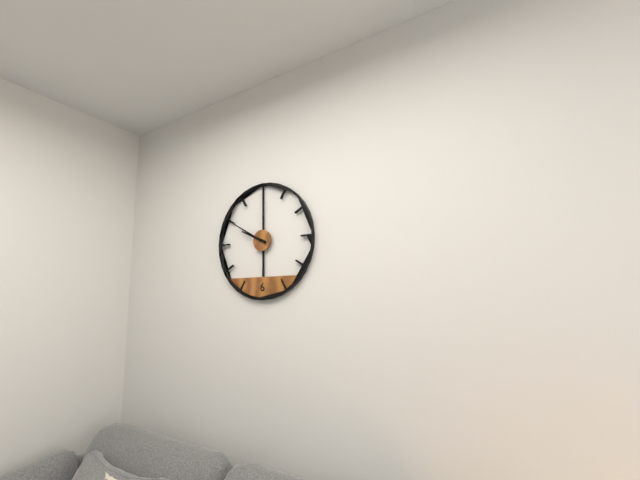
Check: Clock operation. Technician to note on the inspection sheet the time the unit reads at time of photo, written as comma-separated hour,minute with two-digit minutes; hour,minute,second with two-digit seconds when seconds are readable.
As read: 9,50
